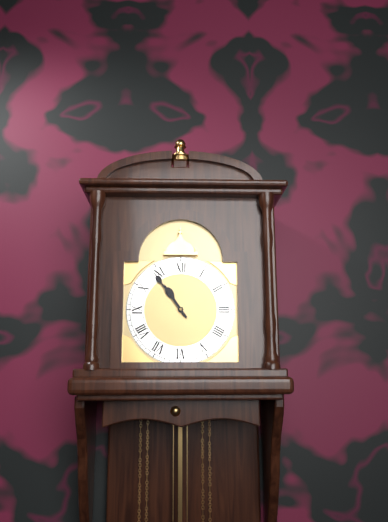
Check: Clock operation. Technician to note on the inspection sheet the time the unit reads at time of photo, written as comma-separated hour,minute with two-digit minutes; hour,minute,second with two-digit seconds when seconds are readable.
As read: 10,54
